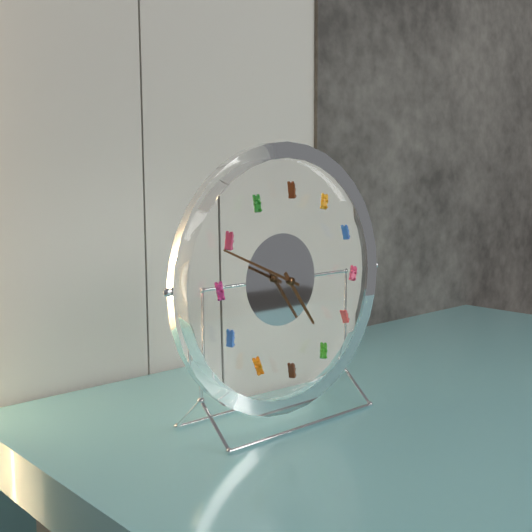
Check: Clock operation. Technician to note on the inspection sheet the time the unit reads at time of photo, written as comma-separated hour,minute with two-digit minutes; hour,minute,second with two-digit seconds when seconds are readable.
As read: 4,49
